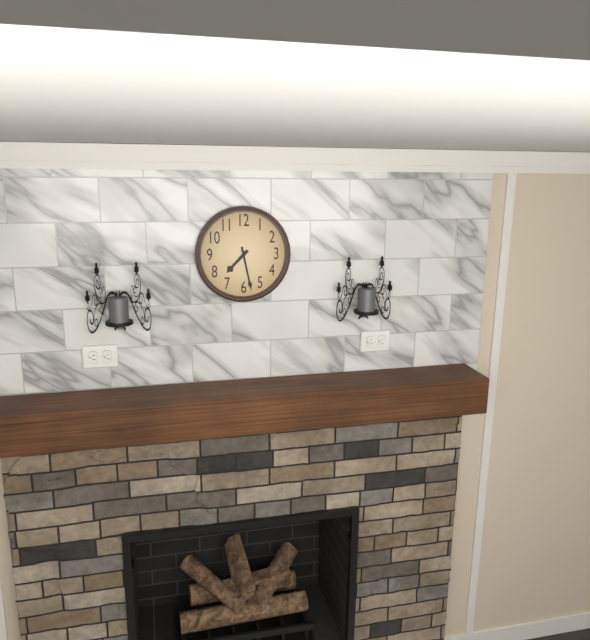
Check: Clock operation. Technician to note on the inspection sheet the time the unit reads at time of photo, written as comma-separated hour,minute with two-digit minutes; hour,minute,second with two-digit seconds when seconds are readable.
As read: 7,28
